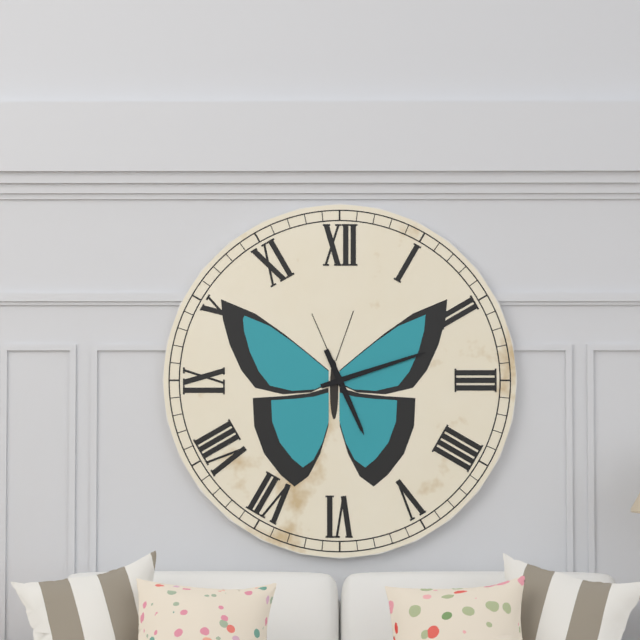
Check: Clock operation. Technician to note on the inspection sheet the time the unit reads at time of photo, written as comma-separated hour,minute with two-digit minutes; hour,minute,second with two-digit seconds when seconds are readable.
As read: 5,12
